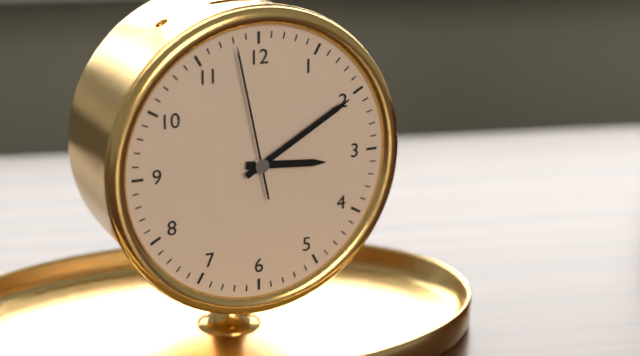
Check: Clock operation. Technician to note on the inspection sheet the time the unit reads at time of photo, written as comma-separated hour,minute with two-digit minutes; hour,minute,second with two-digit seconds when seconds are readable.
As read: 3,10,58
